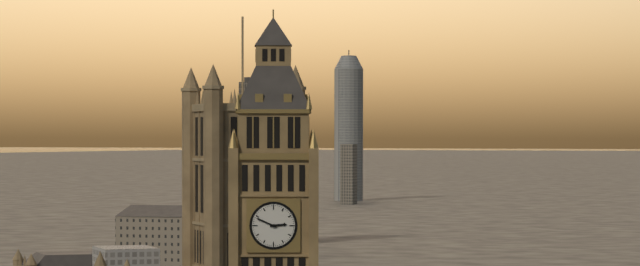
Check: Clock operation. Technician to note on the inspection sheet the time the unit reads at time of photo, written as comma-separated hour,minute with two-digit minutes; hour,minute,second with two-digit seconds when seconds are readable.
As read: 2,49
